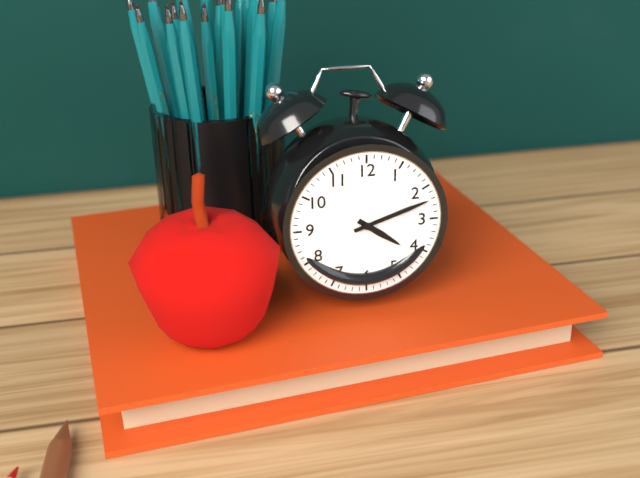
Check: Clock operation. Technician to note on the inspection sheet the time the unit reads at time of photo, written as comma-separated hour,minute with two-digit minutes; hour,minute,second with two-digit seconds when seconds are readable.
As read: 4,12
